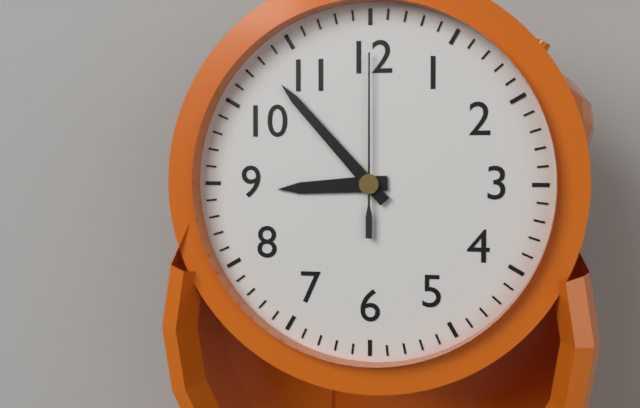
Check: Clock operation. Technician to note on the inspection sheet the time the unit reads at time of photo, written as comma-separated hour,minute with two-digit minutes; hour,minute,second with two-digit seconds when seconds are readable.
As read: 8,53,00
